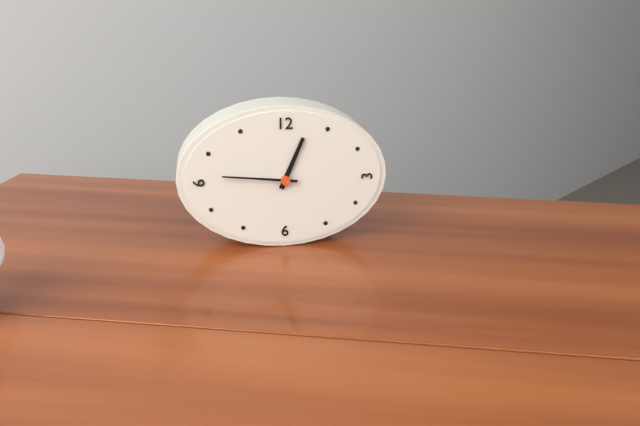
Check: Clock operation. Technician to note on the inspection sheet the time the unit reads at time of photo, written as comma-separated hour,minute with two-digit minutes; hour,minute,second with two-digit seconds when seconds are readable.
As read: 12,46
